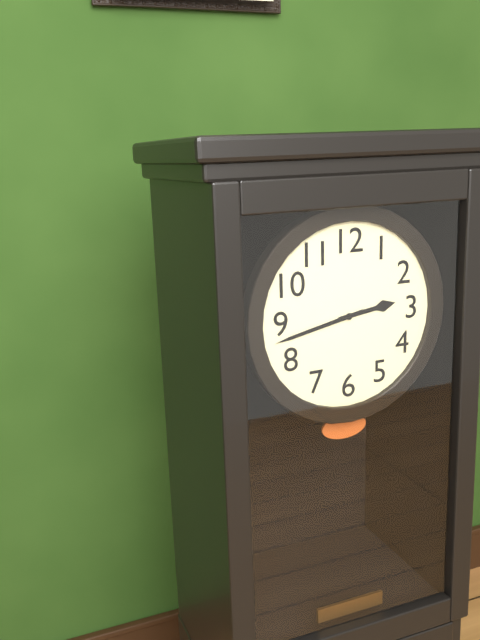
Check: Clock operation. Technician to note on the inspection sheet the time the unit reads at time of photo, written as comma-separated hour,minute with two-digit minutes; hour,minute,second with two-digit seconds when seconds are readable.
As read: 2,43
